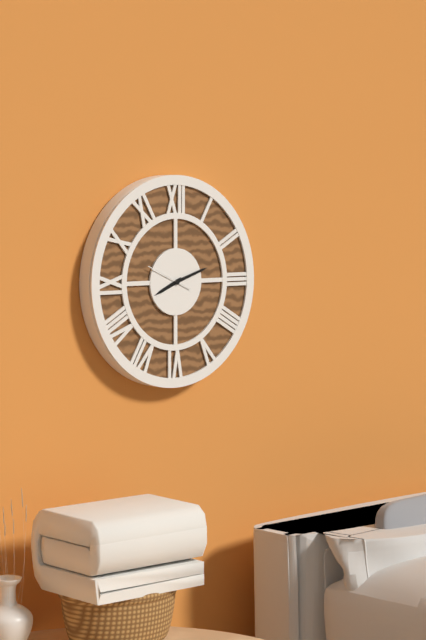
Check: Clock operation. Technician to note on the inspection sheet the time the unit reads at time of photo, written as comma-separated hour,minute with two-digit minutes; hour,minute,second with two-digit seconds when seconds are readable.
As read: 8,12
